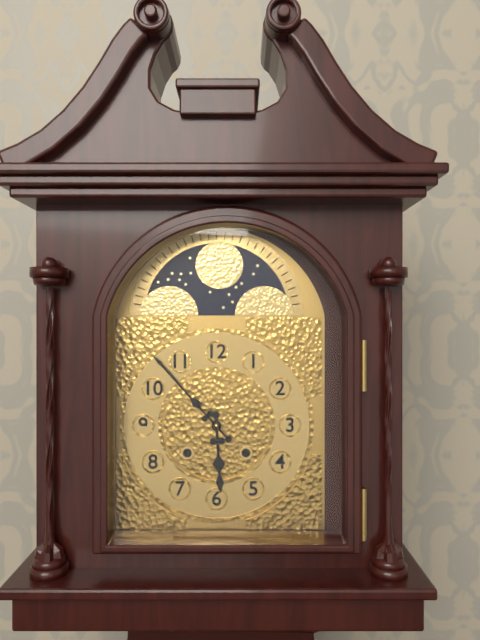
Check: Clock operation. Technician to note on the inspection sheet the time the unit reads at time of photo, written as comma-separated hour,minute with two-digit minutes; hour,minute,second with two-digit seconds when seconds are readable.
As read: 5,53
